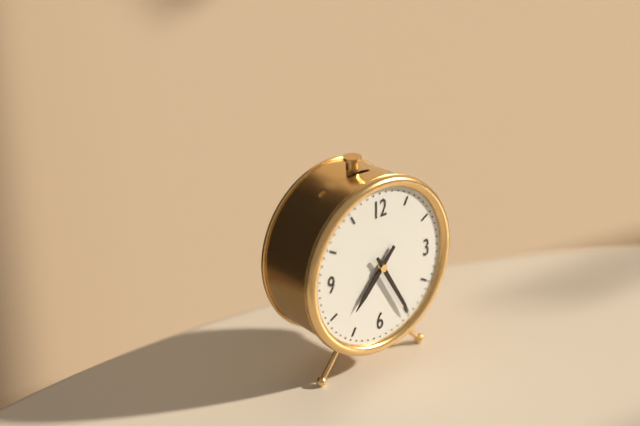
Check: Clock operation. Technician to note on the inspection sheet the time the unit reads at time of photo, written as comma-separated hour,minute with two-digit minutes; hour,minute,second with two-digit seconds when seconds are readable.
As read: 7,25
